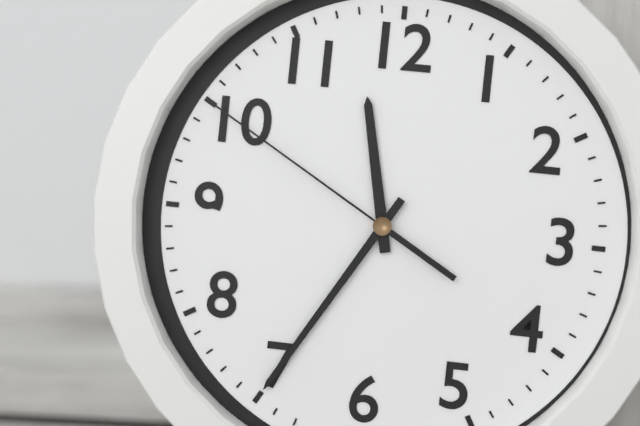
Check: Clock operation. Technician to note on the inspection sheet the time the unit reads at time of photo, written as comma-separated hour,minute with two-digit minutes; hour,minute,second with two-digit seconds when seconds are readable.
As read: 11,35,50
